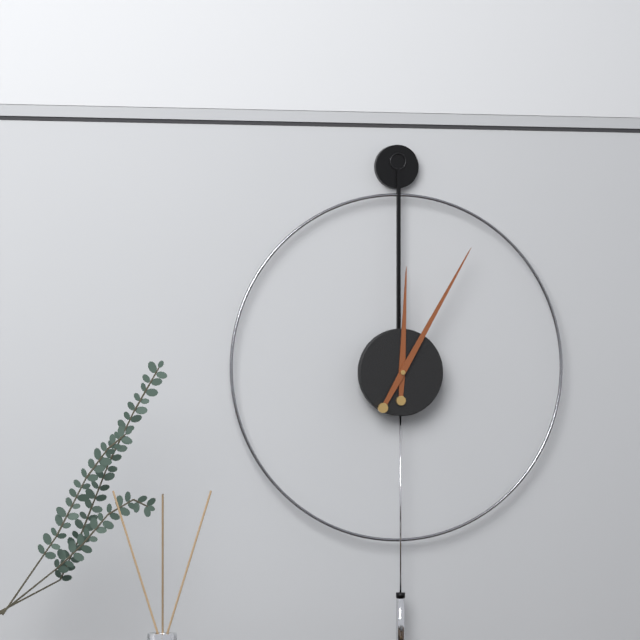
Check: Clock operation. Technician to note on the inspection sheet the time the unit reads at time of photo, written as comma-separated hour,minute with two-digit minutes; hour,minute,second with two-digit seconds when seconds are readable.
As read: 12,05
